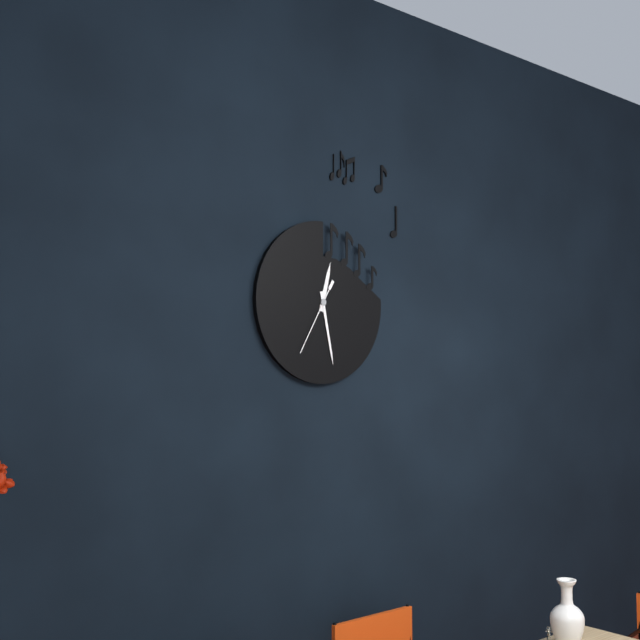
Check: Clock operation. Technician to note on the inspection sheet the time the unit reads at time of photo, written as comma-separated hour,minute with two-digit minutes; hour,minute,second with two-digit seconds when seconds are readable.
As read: 12,28,35
